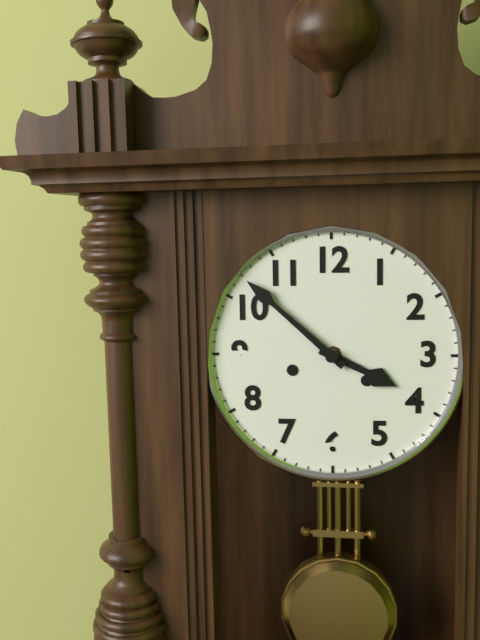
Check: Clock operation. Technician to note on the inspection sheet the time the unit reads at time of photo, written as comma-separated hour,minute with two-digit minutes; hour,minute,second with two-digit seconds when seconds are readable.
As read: 3,52
